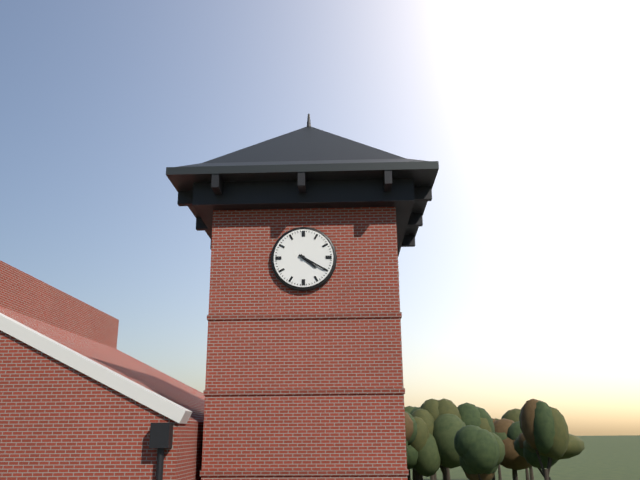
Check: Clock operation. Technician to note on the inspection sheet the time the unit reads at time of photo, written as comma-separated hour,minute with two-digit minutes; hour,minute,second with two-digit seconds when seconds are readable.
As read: 4,20
